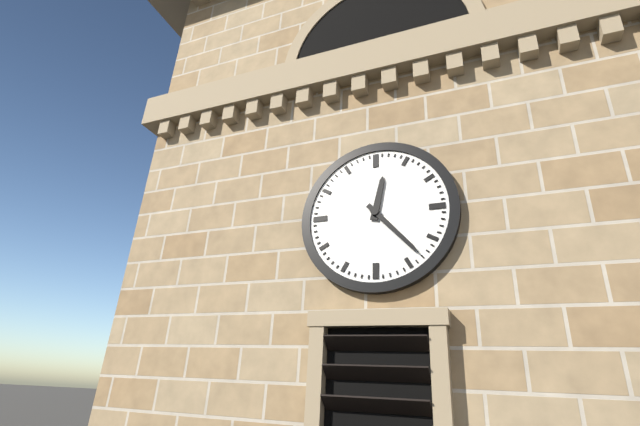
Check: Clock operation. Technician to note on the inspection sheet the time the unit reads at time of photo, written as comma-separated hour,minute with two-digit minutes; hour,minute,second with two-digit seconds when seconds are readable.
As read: 12,23
